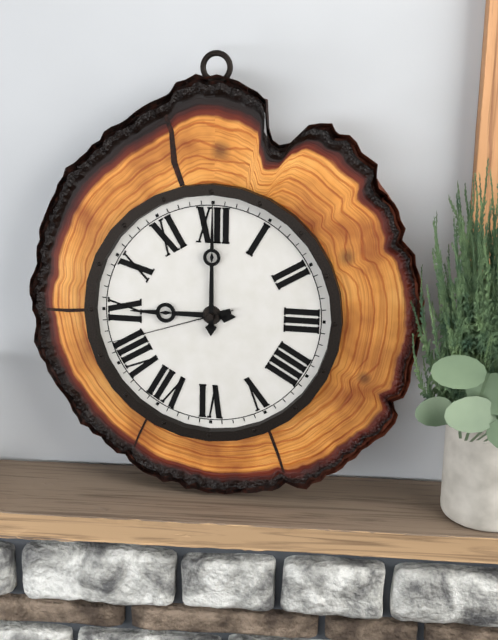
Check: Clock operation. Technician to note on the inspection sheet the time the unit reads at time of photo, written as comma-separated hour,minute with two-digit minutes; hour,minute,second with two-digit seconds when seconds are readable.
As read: 9,00,42
